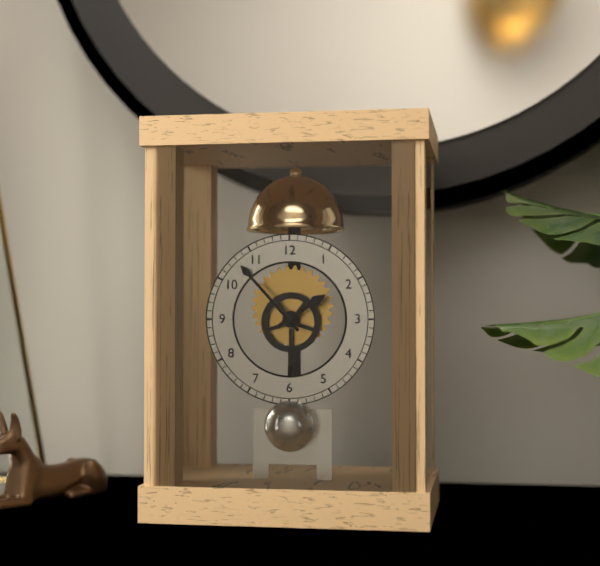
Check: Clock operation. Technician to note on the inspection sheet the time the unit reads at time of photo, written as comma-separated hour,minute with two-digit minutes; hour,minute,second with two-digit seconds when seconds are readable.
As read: 1,53
